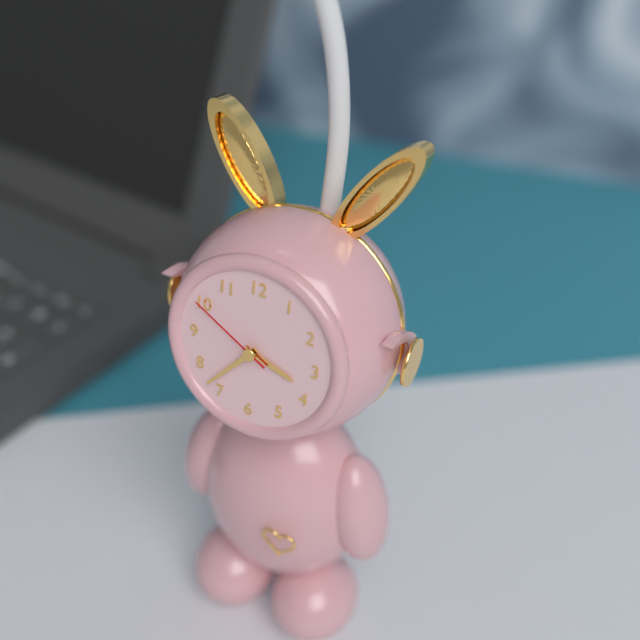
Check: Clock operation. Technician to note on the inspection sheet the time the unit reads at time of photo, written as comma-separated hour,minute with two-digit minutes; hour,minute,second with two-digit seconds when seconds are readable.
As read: 3,37,50
